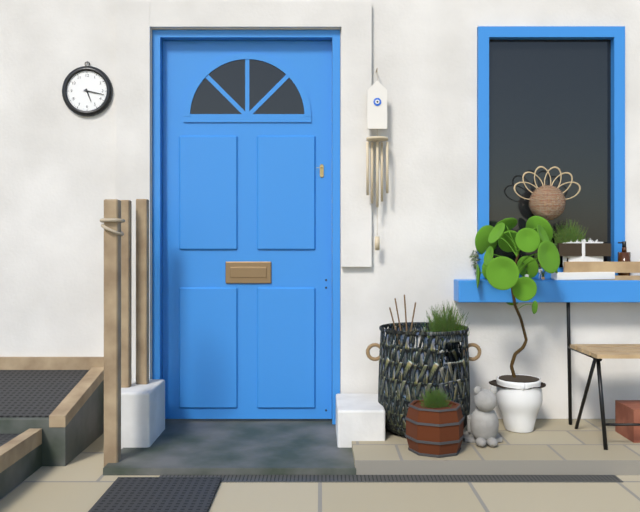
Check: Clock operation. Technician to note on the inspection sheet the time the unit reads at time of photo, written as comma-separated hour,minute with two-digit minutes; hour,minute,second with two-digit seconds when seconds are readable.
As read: 5,17
